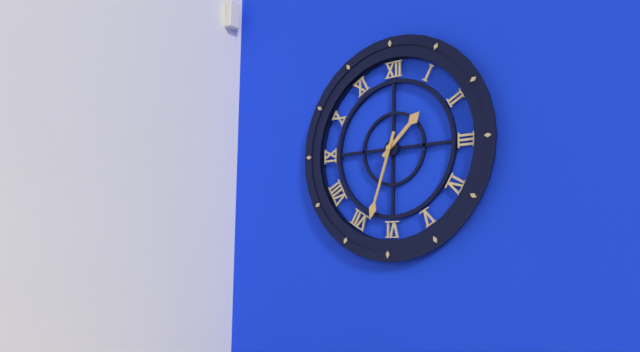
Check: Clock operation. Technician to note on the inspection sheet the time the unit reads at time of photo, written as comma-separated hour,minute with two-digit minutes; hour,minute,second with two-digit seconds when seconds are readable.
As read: 1,33
